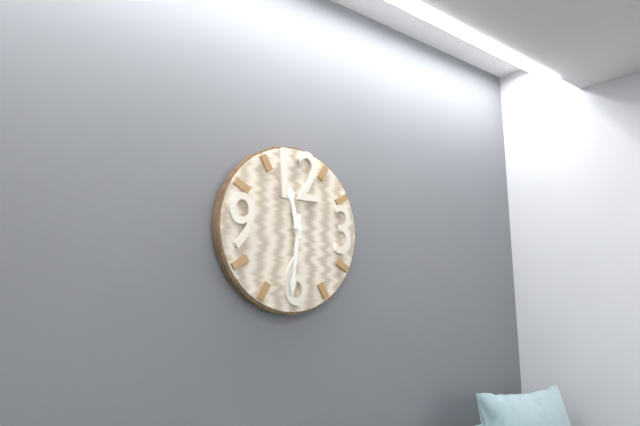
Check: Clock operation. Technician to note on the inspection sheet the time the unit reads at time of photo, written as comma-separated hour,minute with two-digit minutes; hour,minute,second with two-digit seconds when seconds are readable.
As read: 11,31
